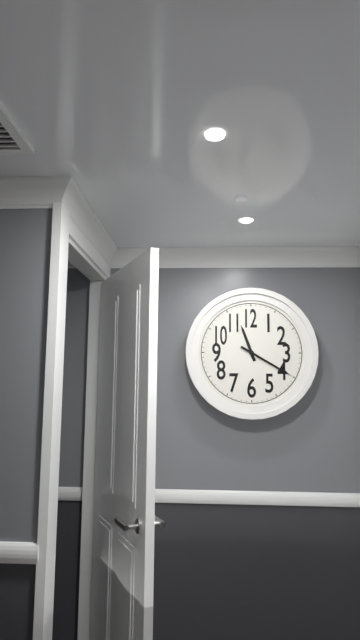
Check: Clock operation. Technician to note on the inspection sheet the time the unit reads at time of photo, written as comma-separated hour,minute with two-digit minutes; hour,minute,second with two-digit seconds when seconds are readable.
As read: 11,20
